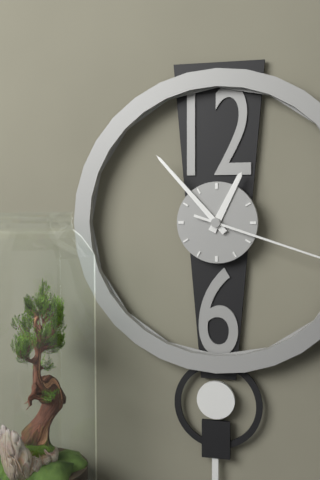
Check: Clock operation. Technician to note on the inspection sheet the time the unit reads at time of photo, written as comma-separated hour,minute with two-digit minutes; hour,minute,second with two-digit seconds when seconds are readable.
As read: 12,53
